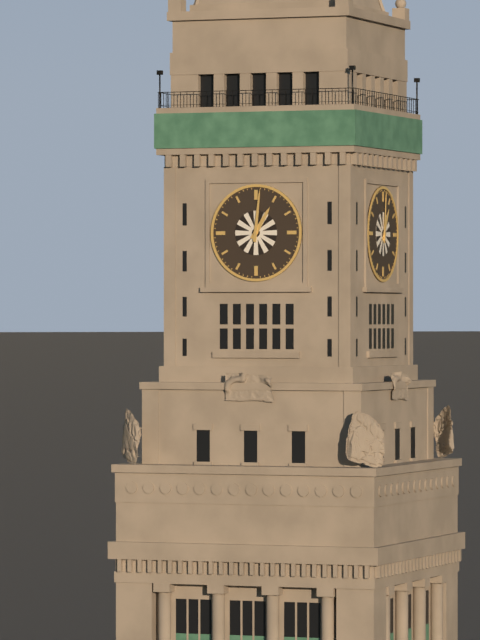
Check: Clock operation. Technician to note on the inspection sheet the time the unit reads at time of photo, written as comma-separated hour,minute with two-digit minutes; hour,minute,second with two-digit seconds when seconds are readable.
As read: 1,01
